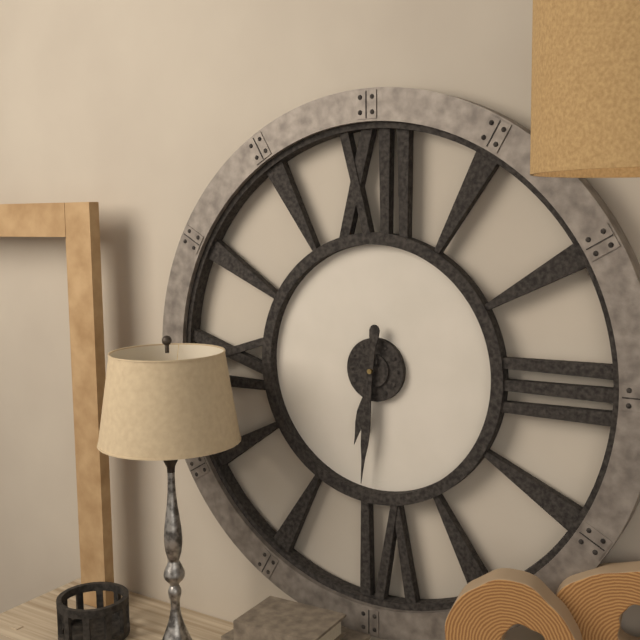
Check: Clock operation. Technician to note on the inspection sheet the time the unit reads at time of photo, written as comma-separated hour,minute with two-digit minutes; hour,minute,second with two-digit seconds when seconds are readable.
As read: 6,31
